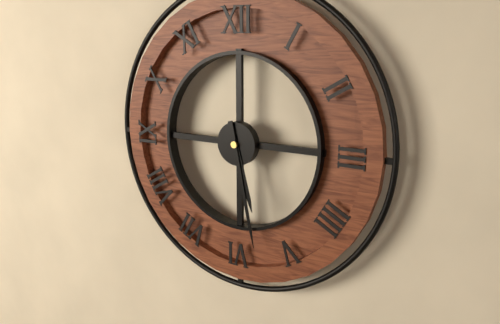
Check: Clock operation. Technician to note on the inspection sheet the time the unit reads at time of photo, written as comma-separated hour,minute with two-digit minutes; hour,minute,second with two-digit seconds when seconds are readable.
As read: 5,28
